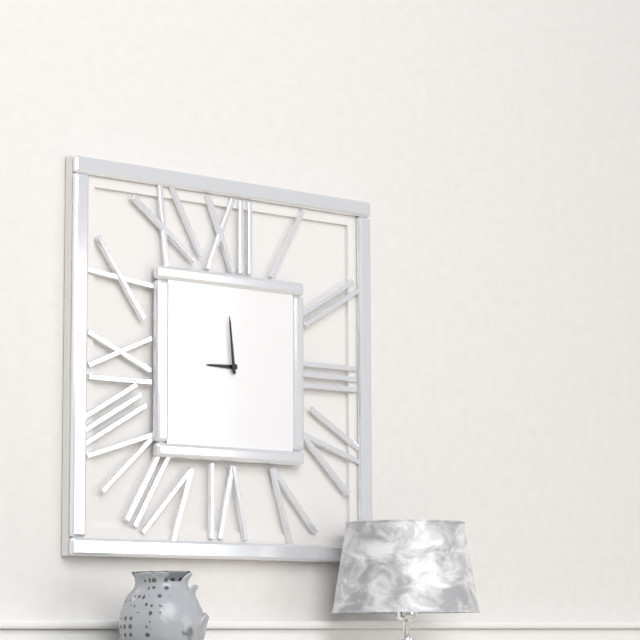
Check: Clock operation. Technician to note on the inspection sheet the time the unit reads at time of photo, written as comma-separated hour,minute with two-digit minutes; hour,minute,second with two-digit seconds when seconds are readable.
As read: 8,59
